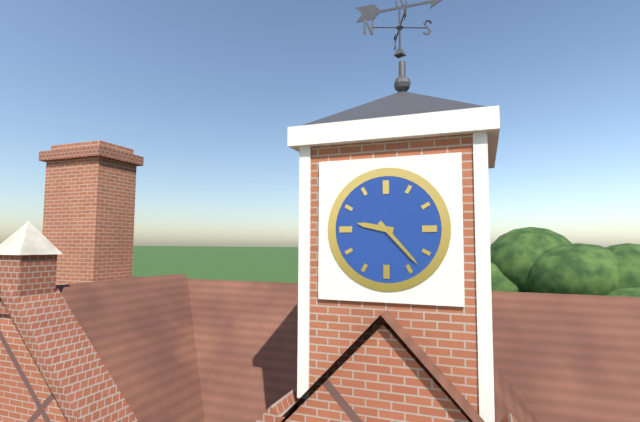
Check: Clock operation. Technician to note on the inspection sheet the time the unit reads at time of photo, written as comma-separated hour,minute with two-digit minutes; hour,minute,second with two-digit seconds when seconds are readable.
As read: 9,23
